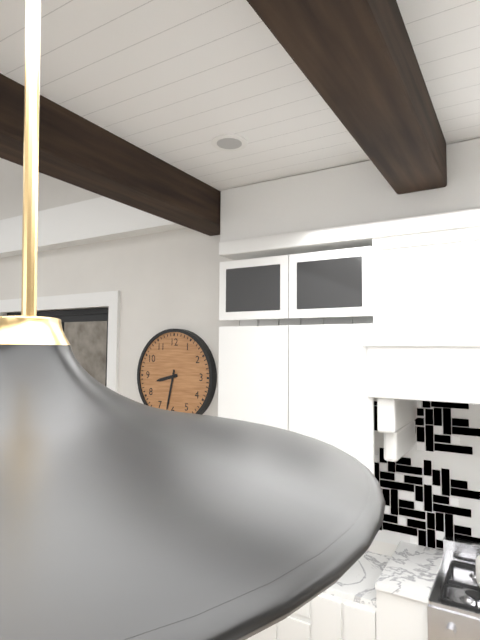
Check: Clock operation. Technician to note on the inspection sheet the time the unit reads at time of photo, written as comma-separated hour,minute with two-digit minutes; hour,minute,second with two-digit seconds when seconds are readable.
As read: 8,32
